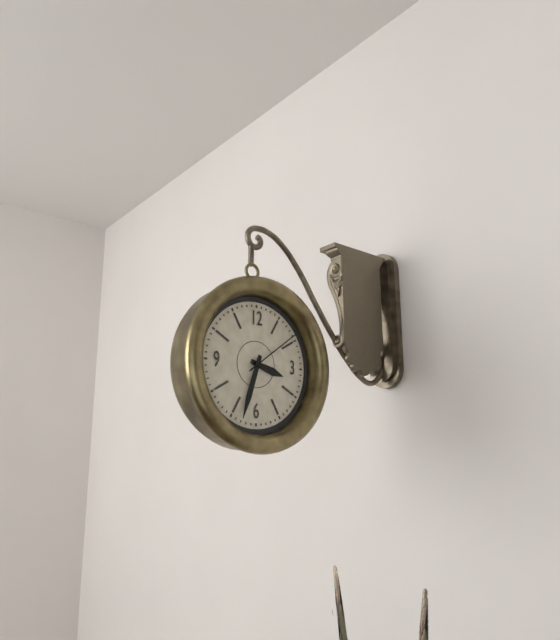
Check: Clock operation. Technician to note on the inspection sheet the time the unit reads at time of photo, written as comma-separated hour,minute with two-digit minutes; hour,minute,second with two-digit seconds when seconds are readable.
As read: 3,33,09
